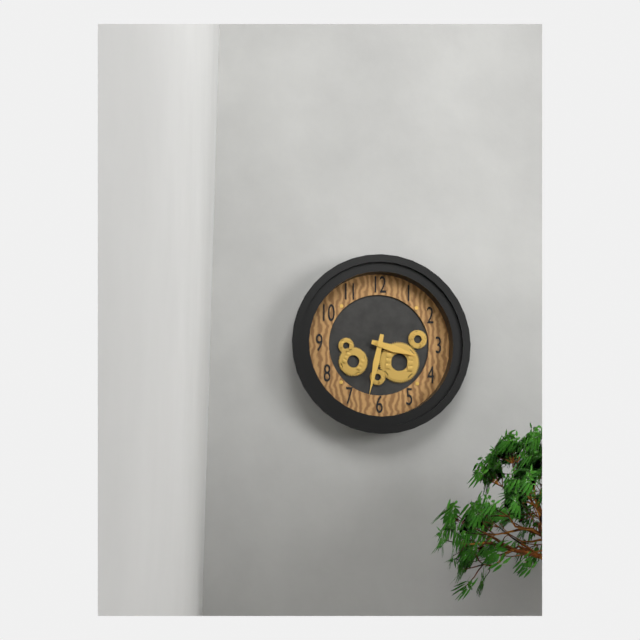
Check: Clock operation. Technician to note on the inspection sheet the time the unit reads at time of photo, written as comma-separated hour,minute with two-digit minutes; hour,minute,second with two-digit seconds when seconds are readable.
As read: 3,32
